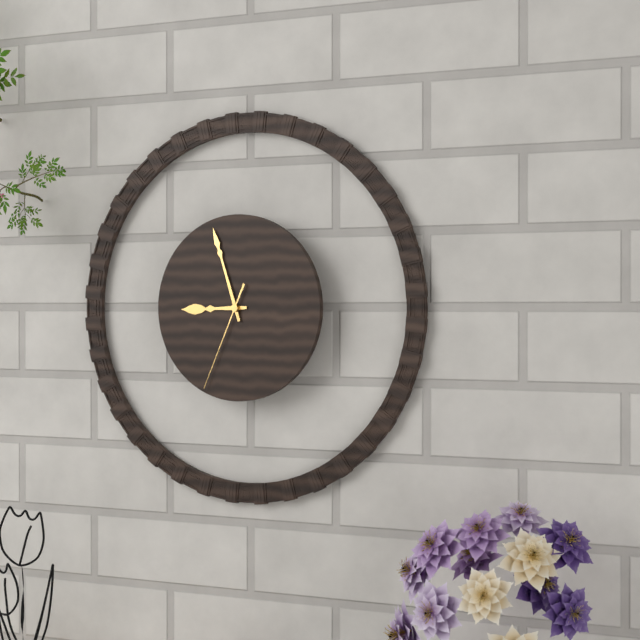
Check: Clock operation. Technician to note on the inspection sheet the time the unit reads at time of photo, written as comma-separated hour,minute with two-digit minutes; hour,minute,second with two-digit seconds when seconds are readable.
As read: 8,57,34
